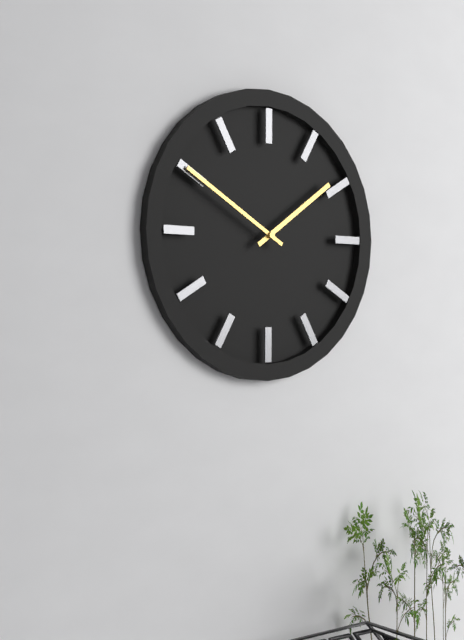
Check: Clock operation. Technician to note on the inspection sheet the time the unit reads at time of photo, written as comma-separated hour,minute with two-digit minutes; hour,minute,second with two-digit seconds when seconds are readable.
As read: 1,50
